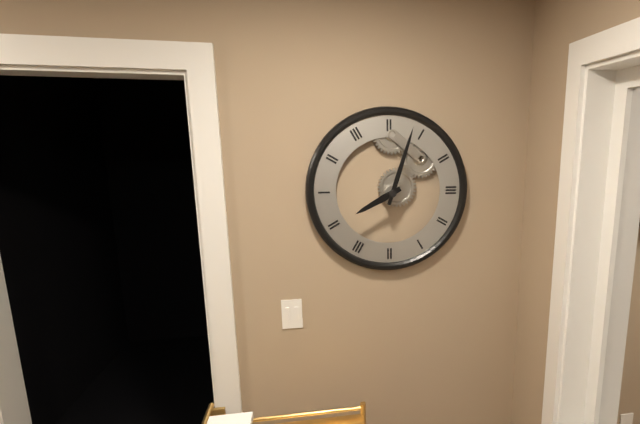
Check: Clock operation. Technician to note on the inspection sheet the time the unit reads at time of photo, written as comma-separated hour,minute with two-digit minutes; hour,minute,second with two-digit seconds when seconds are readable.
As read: 8,03
